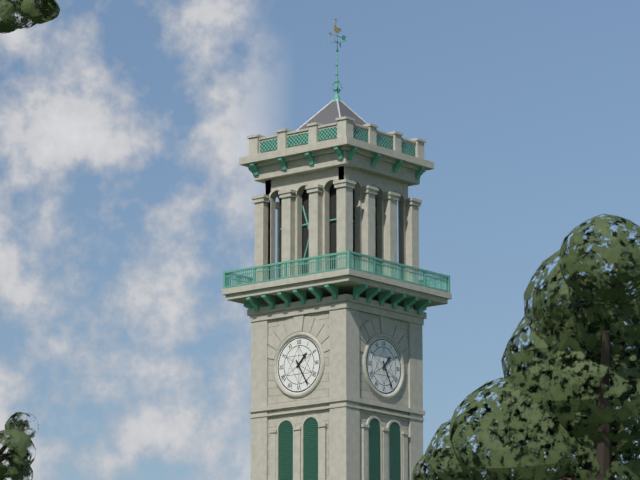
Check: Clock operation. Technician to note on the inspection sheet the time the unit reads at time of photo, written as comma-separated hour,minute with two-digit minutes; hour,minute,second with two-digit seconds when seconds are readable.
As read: 1,25
